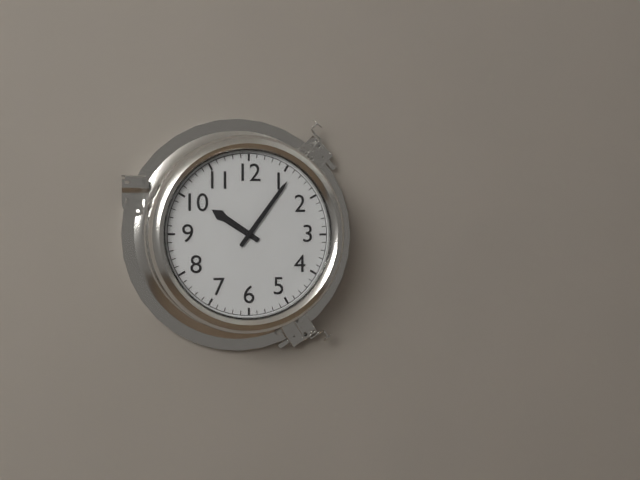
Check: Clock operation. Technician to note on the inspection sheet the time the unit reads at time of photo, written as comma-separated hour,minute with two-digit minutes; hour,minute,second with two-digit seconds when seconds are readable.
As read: 10,06
